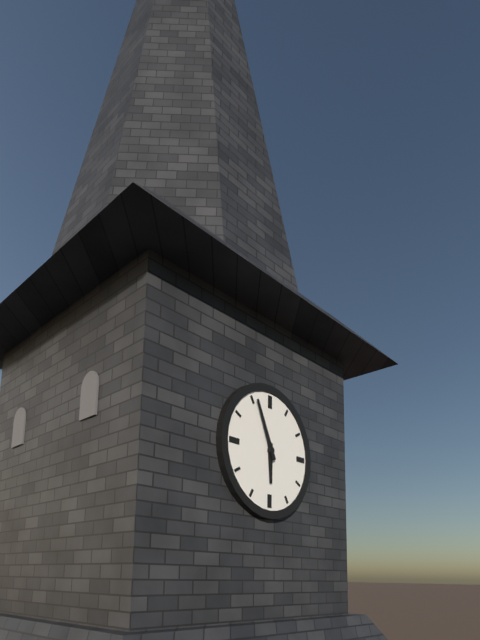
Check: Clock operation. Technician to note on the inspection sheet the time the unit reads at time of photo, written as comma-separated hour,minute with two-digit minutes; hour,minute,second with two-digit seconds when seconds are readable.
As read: 5,56
